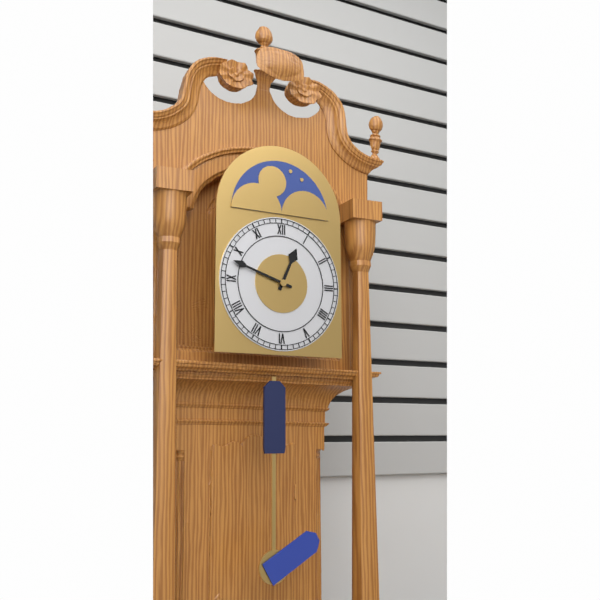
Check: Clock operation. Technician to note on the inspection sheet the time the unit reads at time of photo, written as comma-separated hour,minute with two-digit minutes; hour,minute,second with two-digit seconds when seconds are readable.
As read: 12,48
